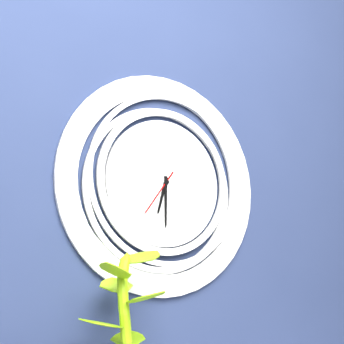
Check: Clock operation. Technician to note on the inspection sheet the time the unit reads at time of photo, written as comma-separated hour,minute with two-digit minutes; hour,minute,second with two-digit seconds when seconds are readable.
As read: 6,30
